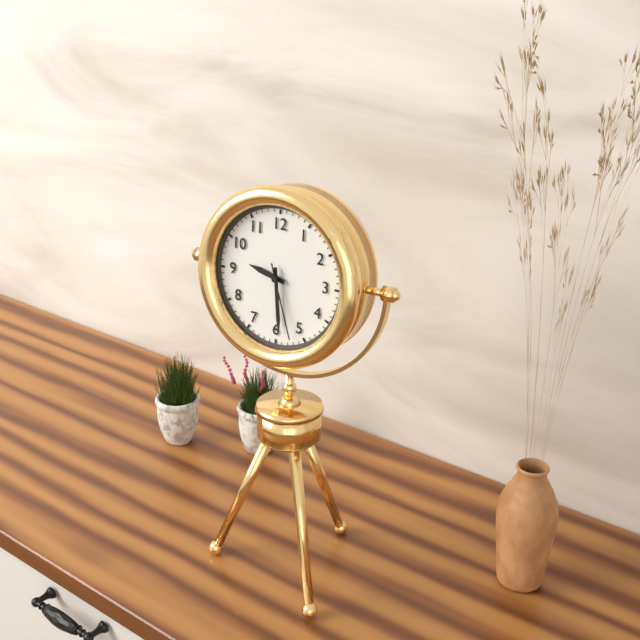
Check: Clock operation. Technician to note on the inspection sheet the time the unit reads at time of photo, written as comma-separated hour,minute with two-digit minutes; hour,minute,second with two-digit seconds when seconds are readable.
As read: 9,29,27
